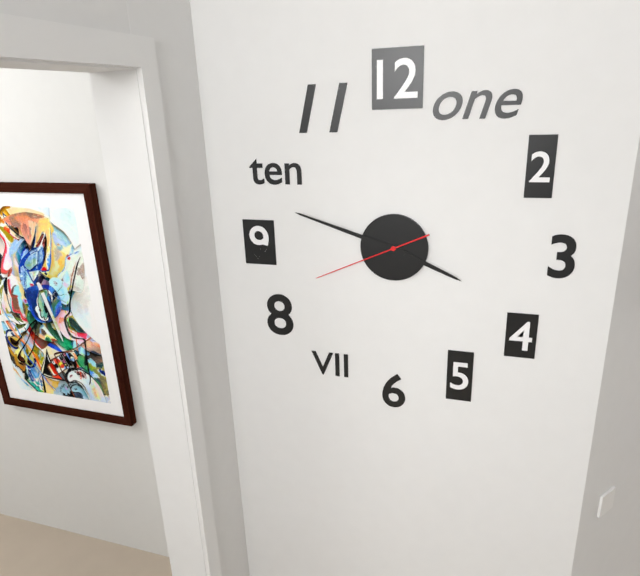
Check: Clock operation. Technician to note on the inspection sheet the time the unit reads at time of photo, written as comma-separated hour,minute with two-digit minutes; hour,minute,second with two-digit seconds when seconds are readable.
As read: 3,48,41
